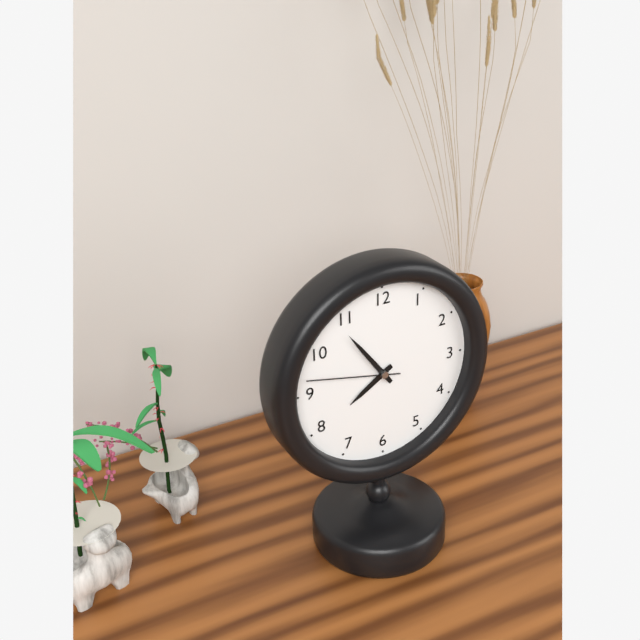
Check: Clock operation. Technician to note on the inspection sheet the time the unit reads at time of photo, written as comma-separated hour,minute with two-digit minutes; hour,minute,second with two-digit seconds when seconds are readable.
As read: 7,54,47
